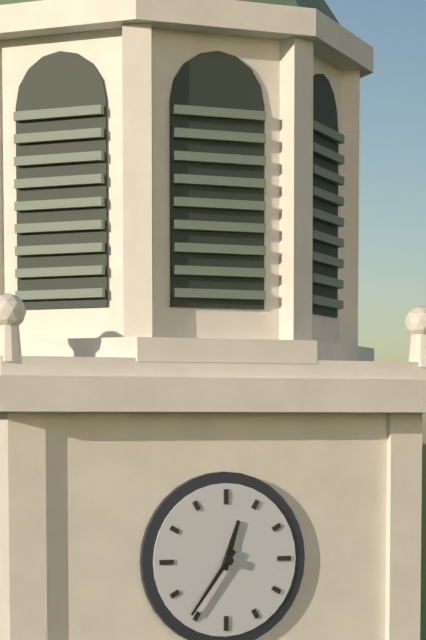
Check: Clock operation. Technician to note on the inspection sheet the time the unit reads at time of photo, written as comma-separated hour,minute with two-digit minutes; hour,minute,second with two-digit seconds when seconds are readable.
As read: 12,36
